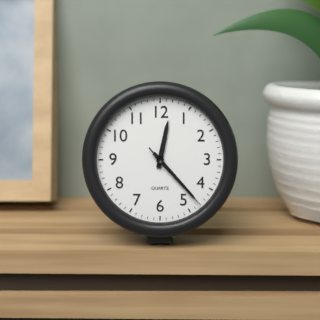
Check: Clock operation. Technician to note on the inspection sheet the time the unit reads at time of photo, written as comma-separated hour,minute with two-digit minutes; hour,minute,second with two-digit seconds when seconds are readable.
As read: 12,23,23
